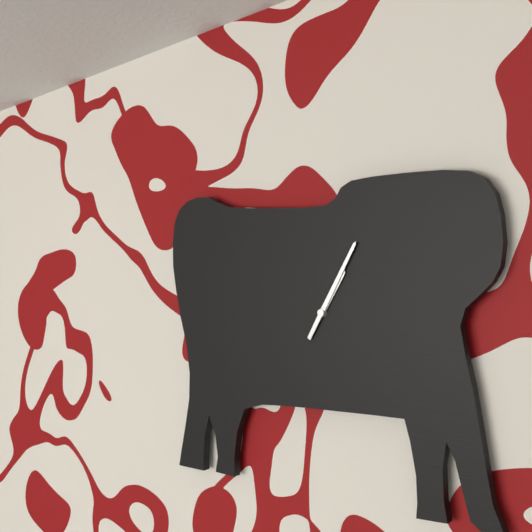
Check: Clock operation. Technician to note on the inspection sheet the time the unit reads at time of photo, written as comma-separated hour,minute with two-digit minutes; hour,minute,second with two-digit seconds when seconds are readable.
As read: 1,05
